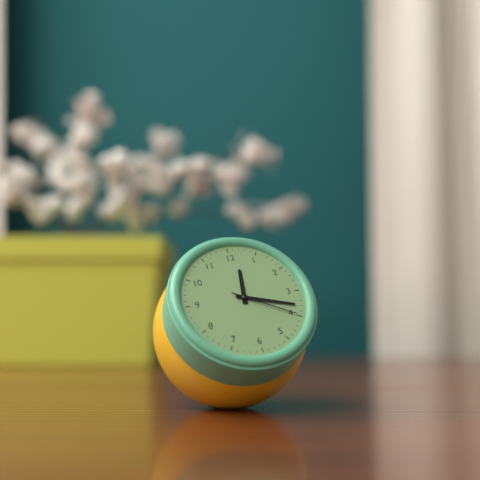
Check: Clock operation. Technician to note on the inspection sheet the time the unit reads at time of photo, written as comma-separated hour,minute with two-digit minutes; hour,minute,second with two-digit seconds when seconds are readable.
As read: 12,18,20
